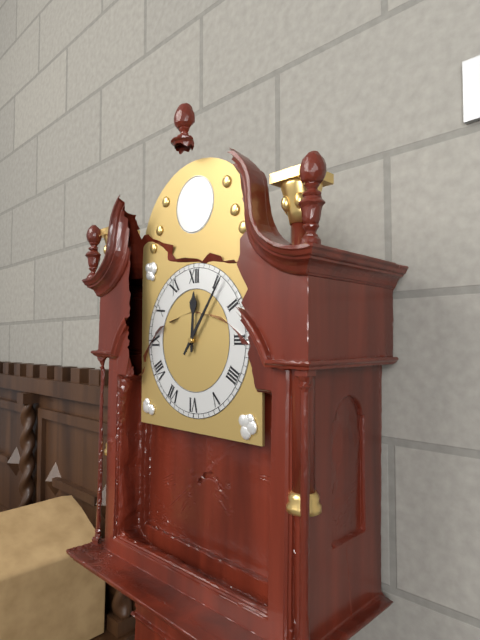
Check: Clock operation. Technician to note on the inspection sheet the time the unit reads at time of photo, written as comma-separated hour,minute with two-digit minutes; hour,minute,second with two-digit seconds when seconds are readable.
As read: 12,06
